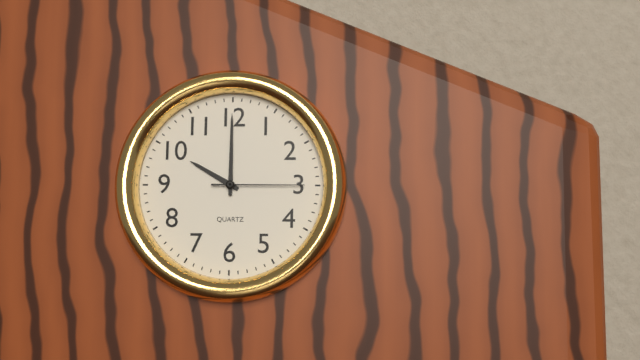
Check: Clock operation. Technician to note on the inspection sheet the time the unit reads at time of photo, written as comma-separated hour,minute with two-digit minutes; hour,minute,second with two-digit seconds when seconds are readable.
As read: 10,00,15
